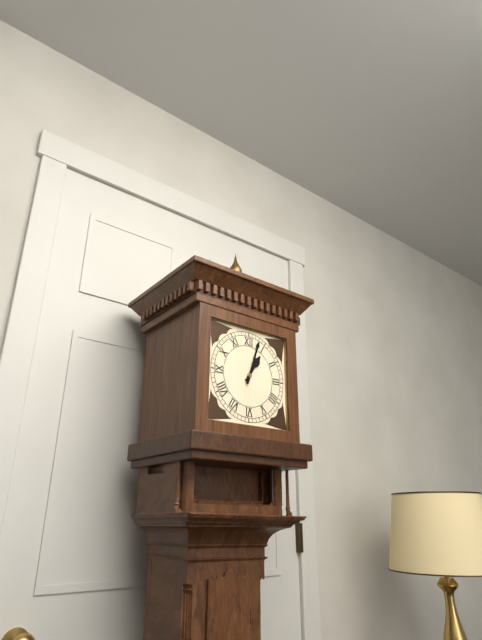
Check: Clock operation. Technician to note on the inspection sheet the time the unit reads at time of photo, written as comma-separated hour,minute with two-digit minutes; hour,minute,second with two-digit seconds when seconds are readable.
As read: 1,03
